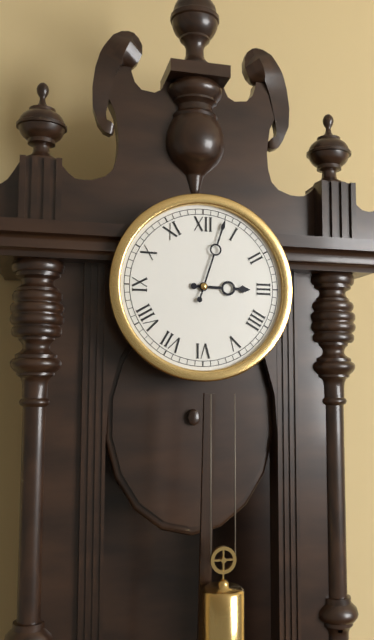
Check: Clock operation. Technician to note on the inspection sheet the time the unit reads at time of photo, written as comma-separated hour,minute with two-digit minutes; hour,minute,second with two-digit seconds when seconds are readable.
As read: 3,03
